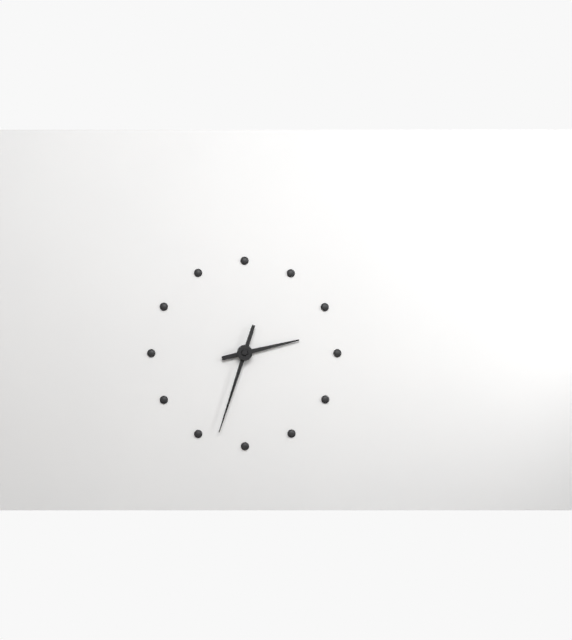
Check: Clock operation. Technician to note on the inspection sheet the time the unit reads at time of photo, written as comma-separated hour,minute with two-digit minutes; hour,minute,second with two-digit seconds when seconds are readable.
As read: 2,33
